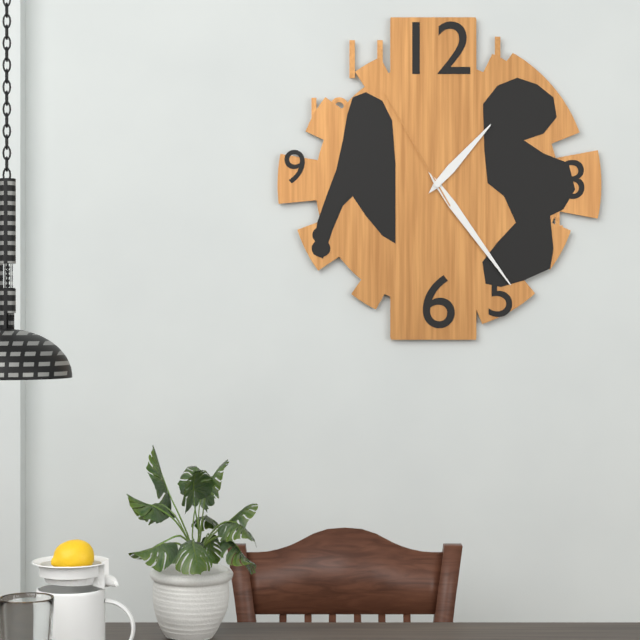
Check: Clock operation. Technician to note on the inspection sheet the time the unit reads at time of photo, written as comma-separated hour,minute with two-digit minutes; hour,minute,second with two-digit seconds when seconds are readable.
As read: 1,24,55
